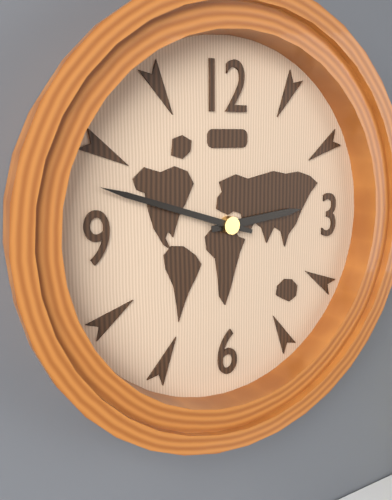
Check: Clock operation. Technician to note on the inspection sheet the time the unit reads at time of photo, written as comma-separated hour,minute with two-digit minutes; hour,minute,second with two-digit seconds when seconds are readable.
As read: 2,48
